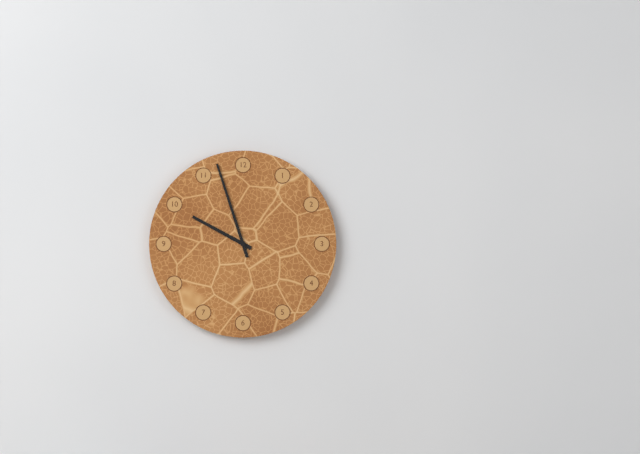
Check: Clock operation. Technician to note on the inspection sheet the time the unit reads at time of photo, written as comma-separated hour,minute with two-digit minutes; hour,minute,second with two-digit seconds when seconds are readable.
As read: 9,57
